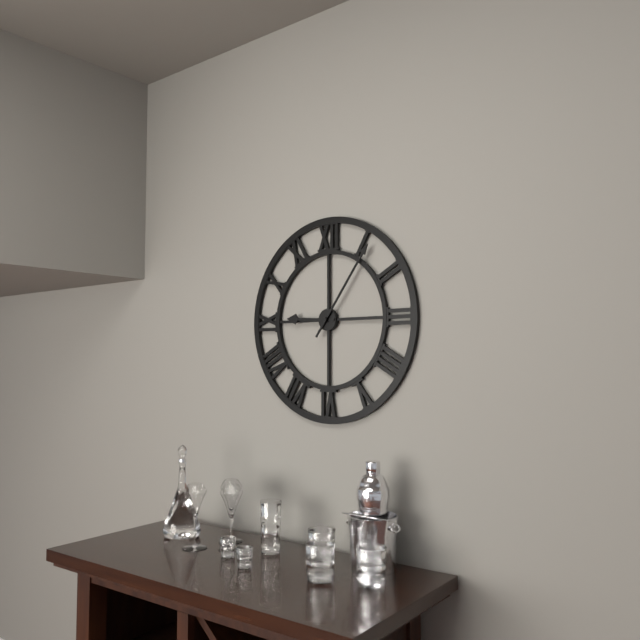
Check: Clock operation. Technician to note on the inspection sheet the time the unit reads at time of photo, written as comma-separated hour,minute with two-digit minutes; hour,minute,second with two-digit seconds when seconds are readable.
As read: 9,06
